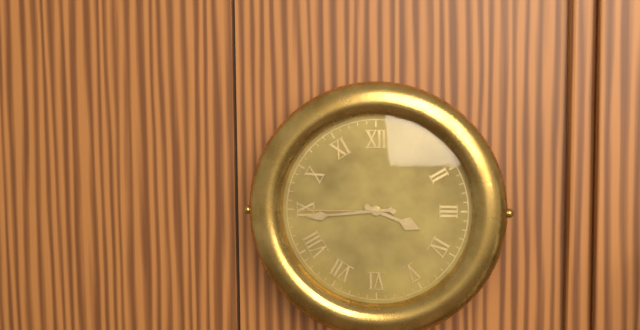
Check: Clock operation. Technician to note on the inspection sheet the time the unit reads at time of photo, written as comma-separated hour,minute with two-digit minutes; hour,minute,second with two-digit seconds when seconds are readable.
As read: 3,44,45
